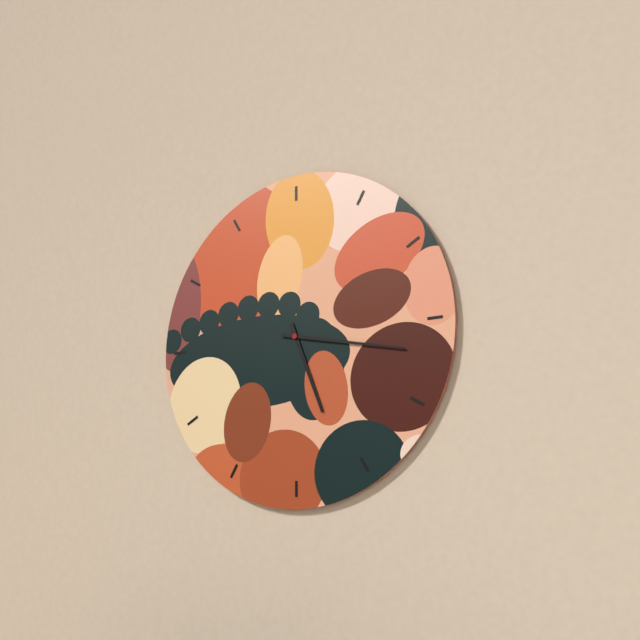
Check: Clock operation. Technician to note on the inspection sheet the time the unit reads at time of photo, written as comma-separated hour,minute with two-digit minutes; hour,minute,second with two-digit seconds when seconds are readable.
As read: 5,17
